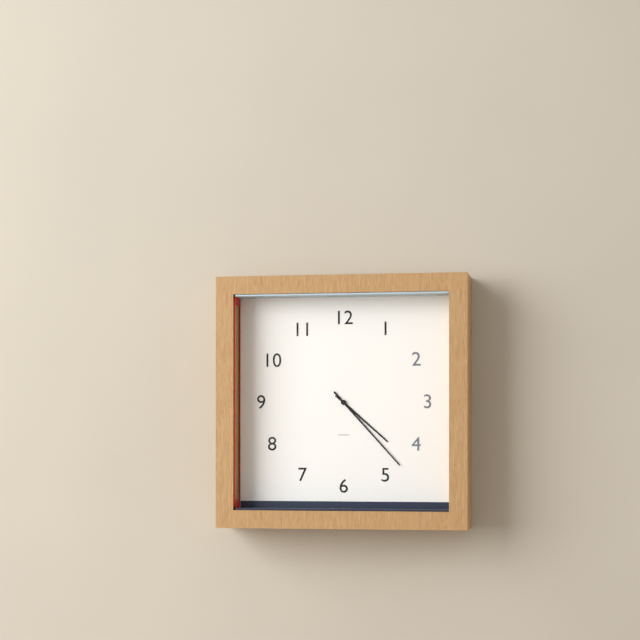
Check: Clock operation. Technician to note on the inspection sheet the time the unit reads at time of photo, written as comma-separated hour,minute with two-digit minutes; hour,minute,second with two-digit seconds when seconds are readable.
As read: 4,23
